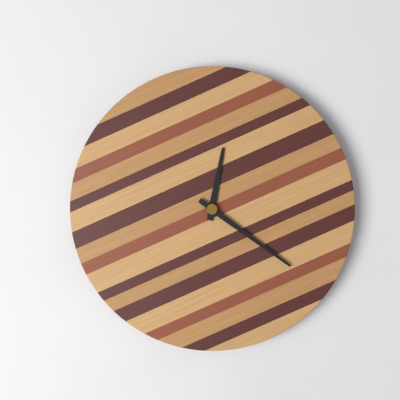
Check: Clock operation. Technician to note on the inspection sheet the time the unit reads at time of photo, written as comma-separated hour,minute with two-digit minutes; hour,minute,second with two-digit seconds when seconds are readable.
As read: 12,21
